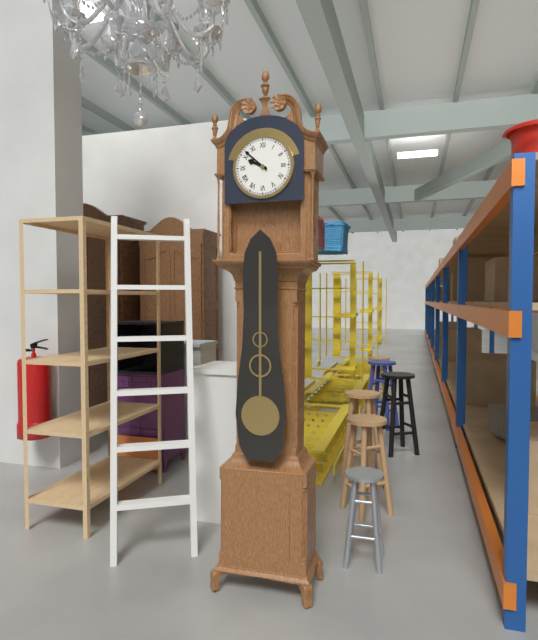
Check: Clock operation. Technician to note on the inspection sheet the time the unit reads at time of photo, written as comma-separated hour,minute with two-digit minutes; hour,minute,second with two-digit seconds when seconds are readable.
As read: 9,52
